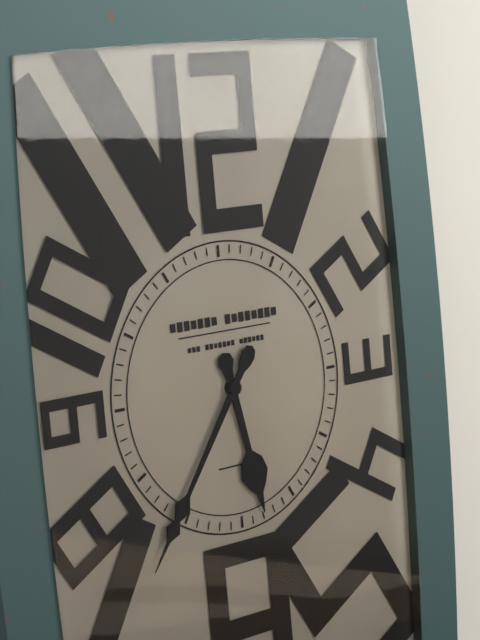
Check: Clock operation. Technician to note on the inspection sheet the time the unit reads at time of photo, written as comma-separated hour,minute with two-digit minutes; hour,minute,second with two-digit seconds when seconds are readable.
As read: 5,36
